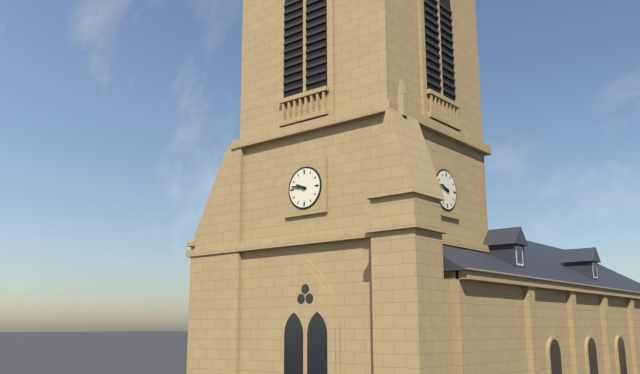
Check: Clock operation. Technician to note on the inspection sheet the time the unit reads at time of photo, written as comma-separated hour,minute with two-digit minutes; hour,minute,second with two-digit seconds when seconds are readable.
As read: 9,47
